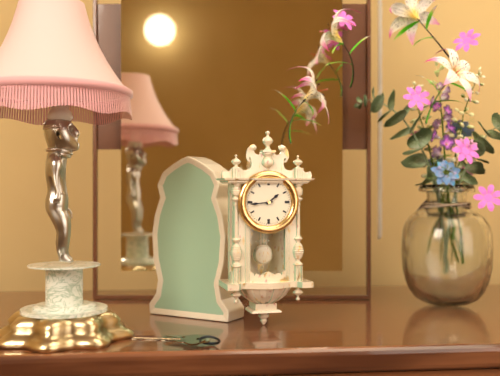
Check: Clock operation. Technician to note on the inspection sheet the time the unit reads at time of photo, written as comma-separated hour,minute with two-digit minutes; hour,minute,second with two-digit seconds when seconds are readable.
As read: 1,44
